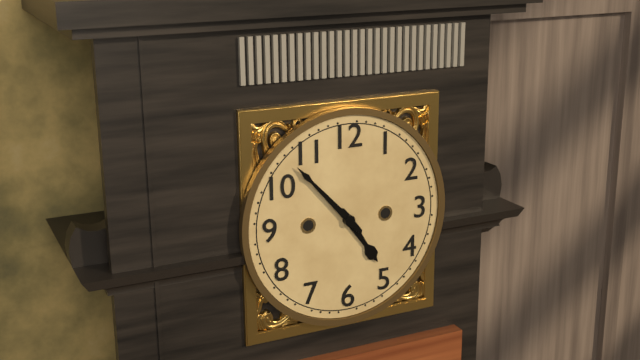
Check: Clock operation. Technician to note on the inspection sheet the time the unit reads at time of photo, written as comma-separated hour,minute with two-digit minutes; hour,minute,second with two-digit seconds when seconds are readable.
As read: 4,53
